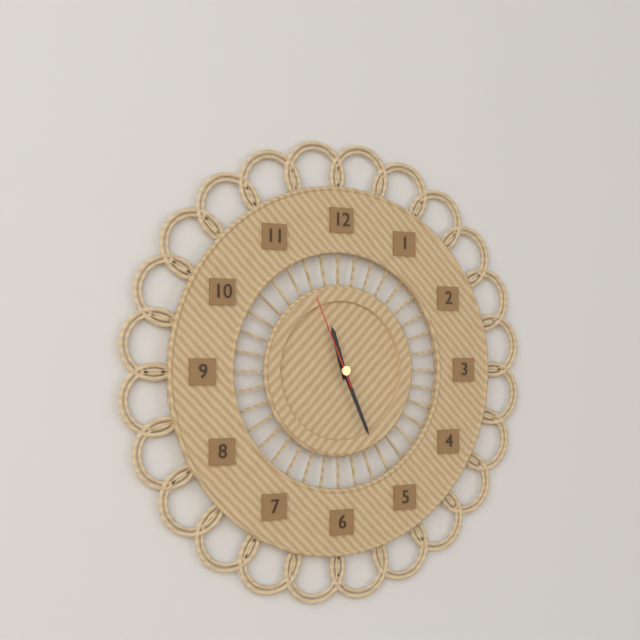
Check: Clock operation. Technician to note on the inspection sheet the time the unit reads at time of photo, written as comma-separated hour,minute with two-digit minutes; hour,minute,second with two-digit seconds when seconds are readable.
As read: 11,26,56
